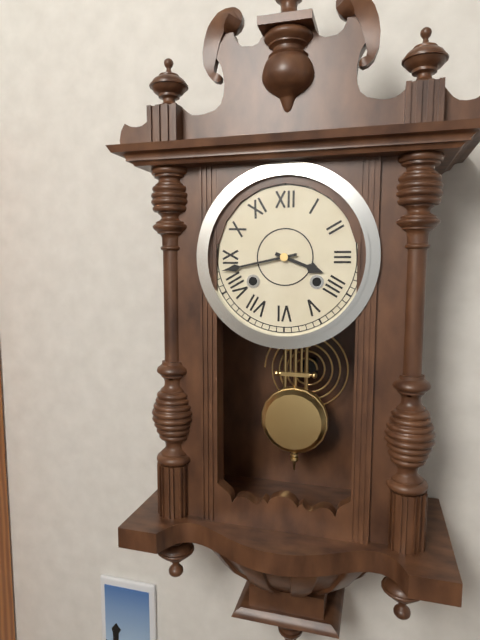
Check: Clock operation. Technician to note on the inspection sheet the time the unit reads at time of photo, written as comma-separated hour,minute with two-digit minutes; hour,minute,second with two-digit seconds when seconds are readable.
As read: 3,43
